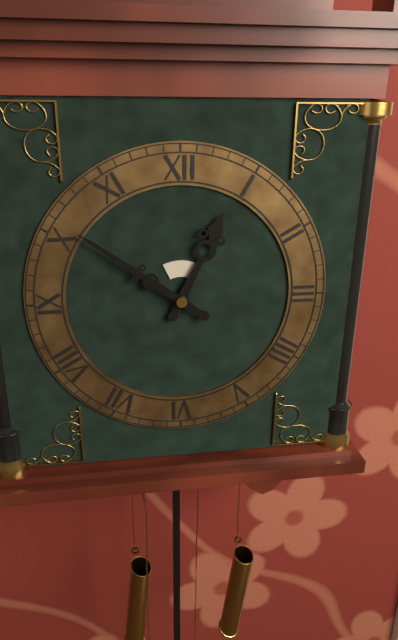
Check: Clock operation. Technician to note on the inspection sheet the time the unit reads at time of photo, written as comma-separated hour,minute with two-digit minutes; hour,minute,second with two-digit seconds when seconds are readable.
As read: 12,51
